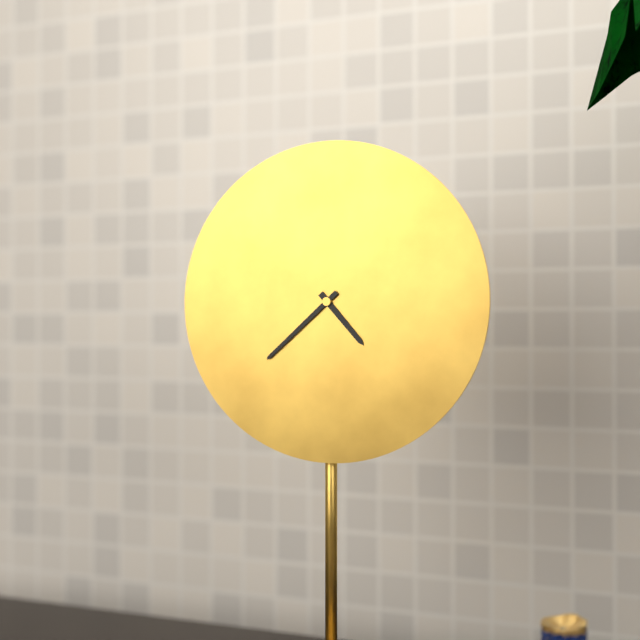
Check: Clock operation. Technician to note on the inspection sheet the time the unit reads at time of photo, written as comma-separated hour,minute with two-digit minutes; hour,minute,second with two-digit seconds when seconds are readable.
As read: 4,38
